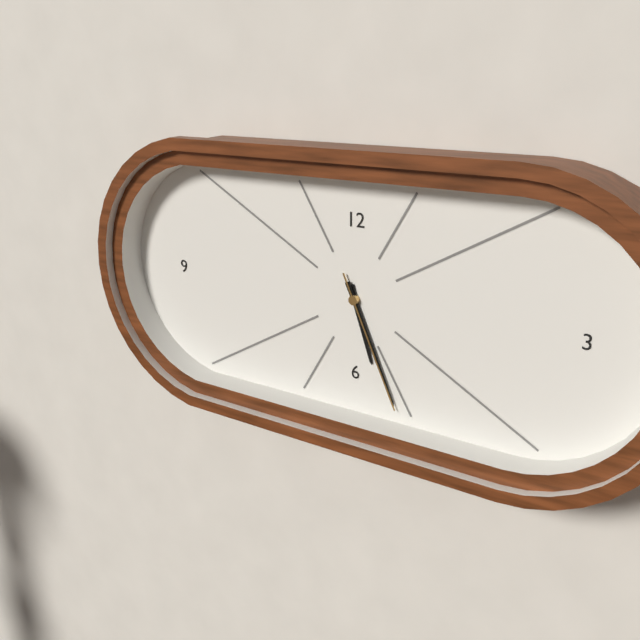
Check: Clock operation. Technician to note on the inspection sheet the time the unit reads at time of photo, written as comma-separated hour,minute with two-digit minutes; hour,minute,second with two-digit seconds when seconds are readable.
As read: 5,26,26
